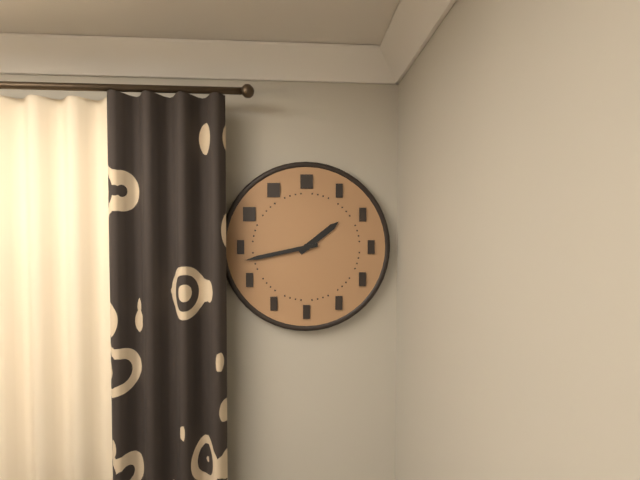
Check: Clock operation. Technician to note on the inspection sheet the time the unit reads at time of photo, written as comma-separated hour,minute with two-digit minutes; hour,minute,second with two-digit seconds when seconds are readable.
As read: 1,43
